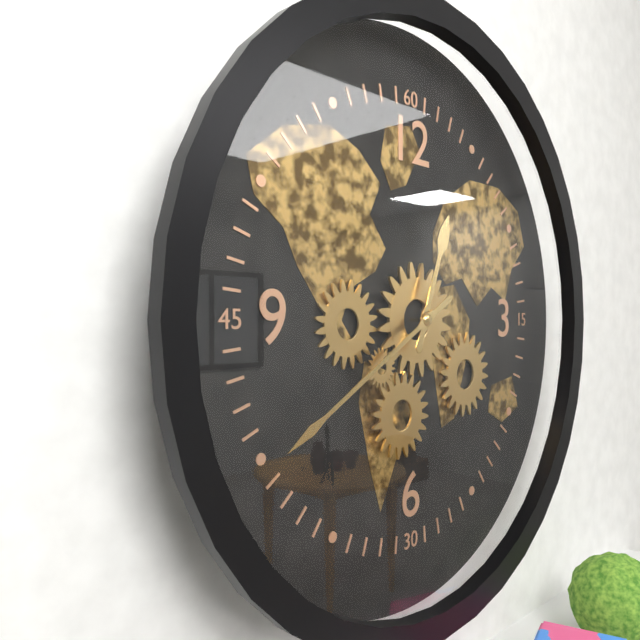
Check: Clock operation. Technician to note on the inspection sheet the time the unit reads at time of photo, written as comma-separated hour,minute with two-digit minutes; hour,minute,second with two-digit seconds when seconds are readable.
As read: 12,40
